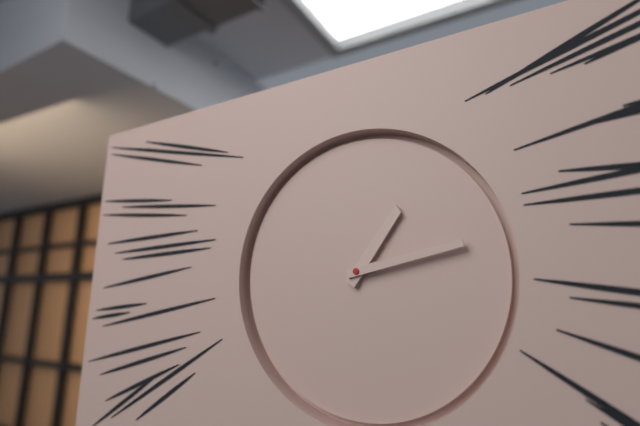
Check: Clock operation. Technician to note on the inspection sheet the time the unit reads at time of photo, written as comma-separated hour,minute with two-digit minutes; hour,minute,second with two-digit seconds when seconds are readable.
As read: 1,13
